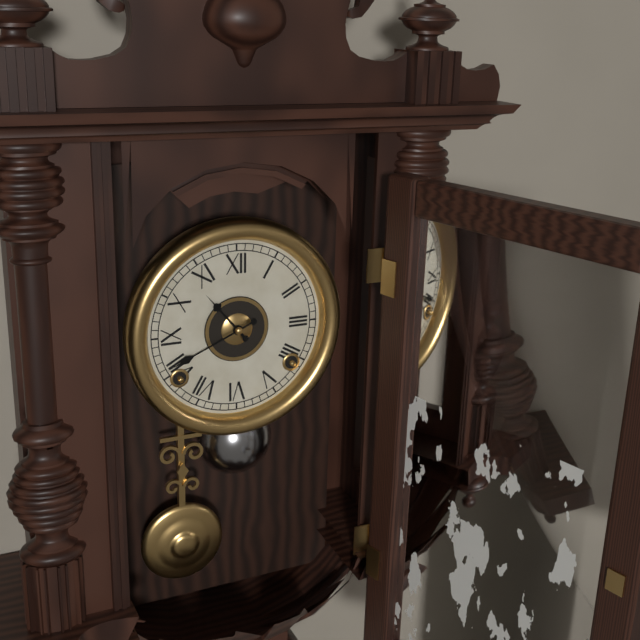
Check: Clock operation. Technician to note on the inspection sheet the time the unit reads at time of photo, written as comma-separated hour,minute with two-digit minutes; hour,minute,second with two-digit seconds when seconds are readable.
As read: 10,41
